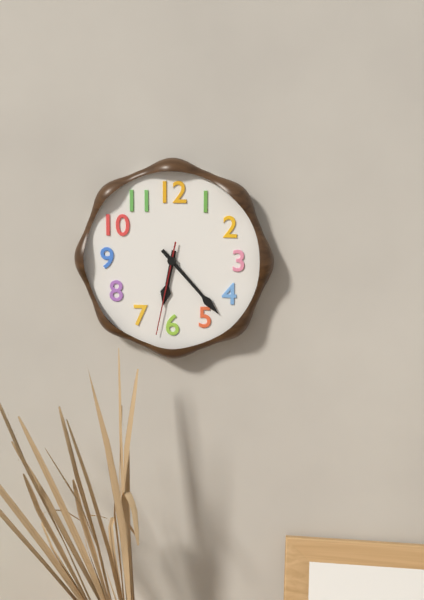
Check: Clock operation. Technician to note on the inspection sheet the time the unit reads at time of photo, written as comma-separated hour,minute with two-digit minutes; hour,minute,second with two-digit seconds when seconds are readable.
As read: 6,23,32
